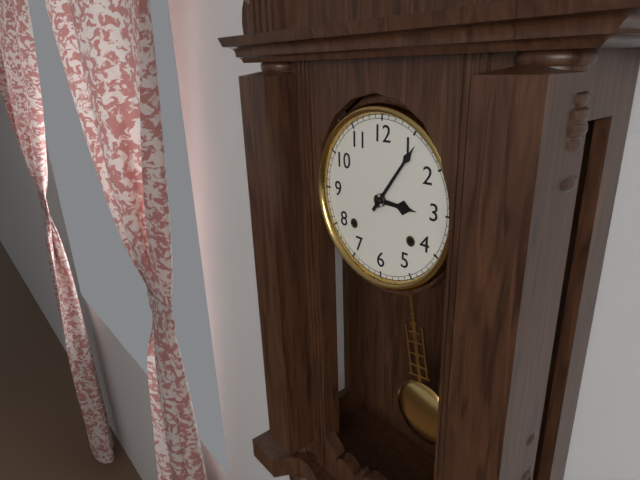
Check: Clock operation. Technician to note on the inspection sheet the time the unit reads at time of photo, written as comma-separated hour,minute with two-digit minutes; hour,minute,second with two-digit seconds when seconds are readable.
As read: 3,06
